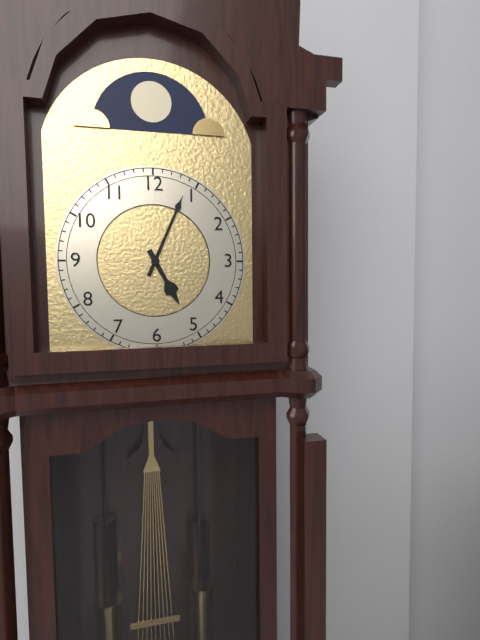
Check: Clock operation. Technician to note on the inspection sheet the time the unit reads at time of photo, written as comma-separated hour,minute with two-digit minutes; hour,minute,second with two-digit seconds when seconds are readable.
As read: 5,04
